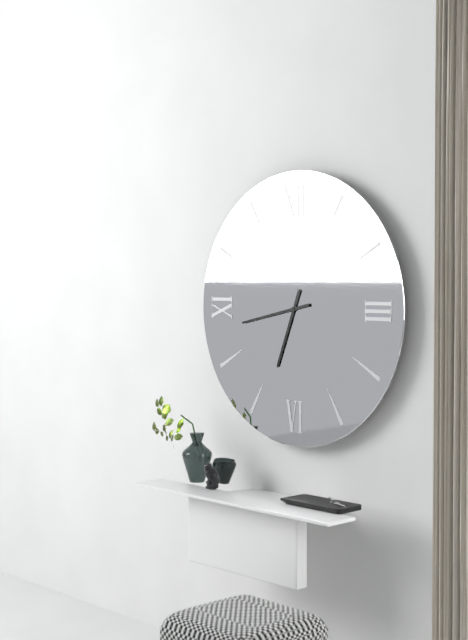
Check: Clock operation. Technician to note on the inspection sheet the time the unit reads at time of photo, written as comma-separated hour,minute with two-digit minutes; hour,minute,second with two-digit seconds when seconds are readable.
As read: 6,43
